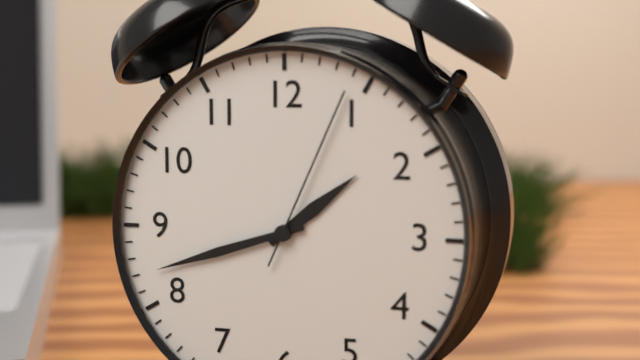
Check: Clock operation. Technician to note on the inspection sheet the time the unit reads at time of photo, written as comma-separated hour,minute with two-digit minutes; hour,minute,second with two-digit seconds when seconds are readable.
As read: 1,42,04
